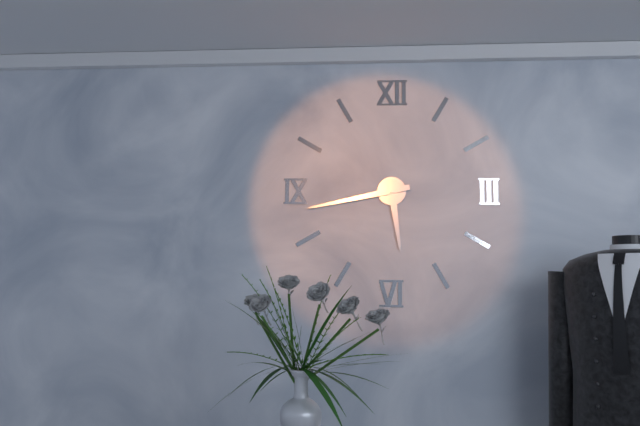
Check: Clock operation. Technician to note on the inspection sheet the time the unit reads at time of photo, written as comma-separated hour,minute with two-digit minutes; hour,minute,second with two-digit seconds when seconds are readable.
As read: 5,43
